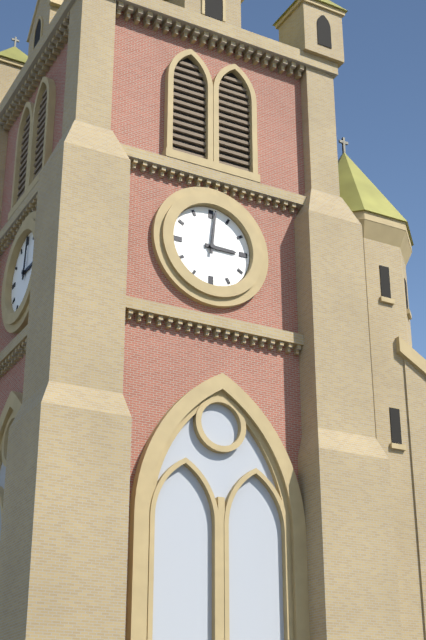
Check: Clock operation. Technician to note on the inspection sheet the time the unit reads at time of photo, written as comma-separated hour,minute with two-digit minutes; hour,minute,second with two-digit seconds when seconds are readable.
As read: 3,01
